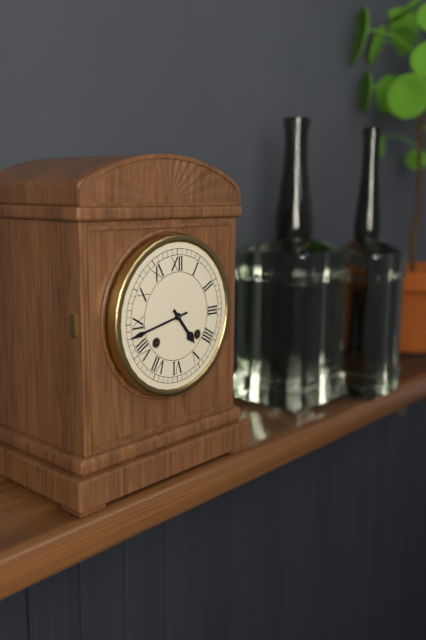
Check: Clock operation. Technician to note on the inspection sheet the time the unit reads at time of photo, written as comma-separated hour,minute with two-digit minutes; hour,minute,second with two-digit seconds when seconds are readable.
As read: 4,43
